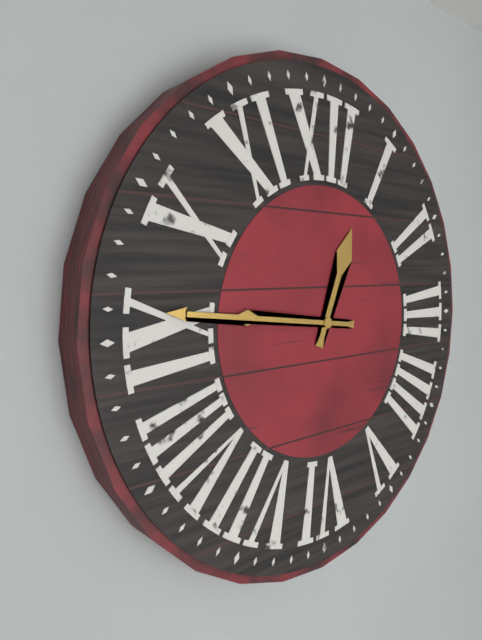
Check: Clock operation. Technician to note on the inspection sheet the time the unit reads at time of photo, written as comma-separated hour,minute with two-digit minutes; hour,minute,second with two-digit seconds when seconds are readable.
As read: 12,46
